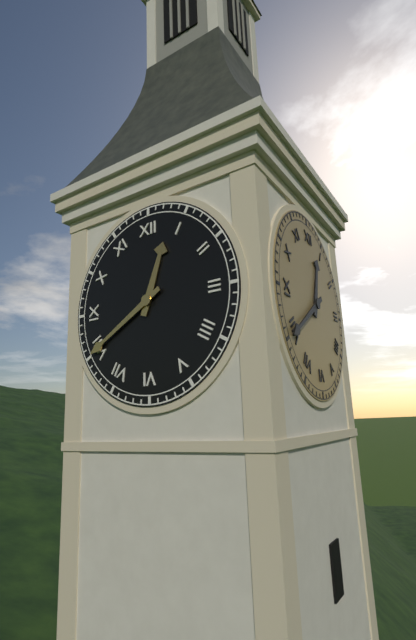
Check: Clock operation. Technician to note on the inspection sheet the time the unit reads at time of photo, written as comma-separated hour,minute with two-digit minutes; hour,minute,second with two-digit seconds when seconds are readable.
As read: 12,40
